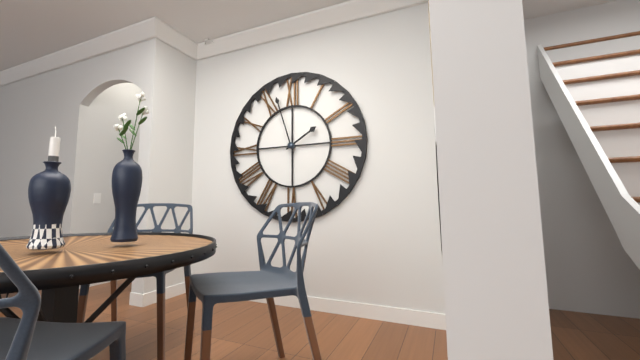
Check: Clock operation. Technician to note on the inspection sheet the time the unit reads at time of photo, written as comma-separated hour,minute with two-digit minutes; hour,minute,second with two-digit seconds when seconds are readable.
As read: 1,57
